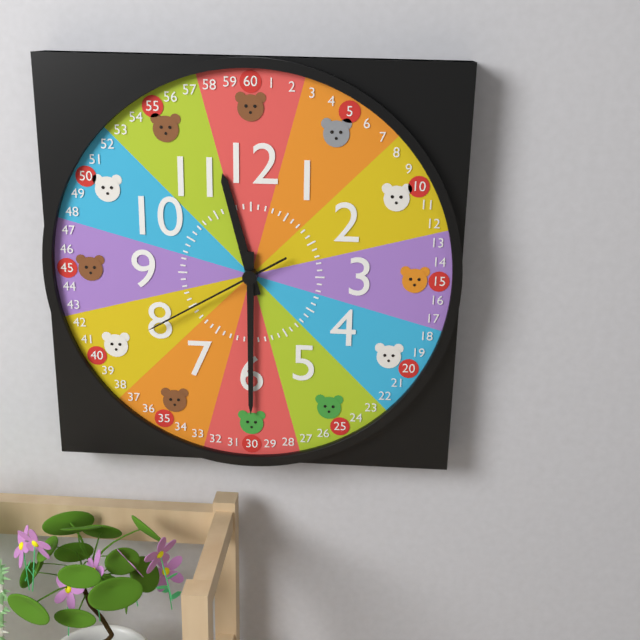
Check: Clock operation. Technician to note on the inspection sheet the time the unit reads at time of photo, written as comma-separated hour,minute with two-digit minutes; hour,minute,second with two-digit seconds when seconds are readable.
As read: 11,30,40
